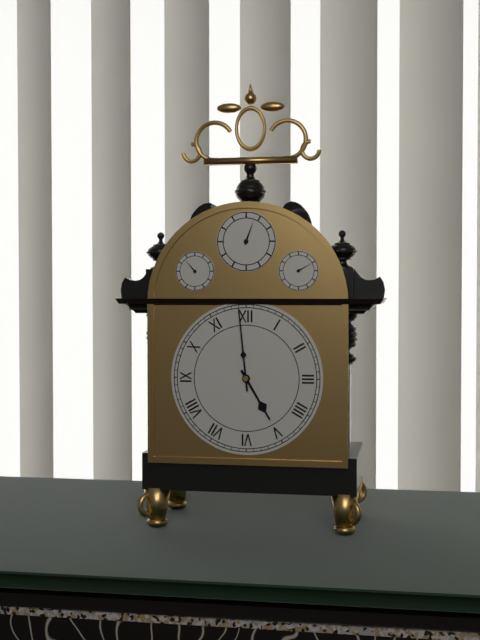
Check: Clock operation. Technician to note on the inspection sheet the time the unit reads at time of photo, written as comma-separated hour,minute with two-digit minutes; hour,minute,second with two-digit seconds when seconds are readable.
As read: 4,59
